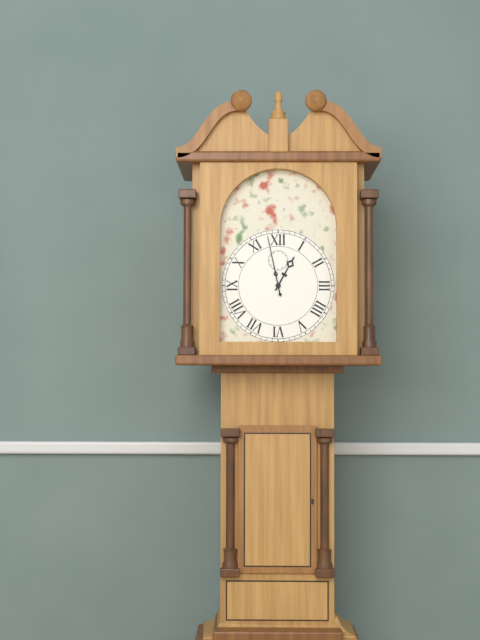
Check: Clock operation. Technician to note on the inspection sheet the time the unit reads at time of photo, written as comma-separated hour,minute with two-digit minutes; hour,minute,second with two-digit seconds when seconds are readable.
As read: 12,58
